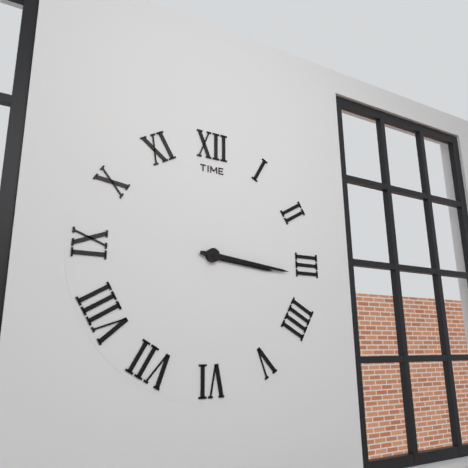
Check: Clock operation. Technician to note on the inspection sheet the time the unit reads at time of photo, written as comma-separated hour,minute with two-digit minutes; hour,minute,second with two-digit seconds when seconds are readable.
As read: 3,16
